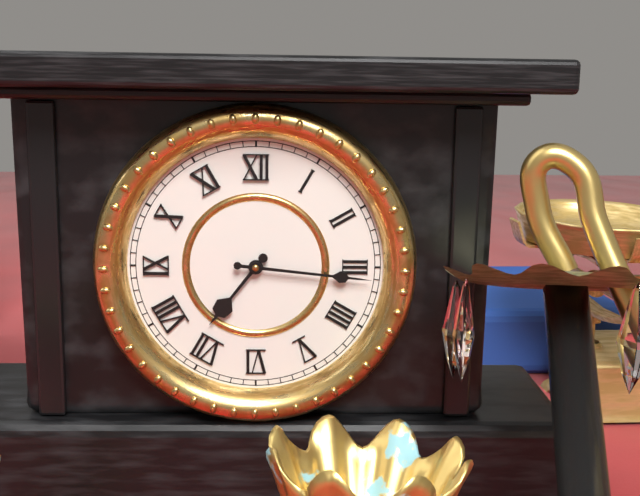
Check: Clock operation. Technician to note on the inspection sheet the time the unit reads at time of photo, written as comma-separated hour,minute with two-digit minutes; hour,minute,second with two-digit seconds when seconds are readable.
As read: 7,16
